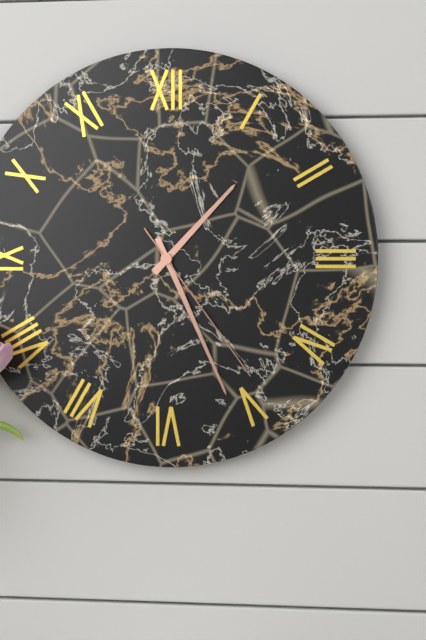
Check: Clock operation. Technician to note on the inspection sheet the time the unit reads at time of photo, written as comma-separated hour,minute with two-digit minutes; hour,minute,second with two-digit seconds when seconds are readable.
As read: 1,26,24
